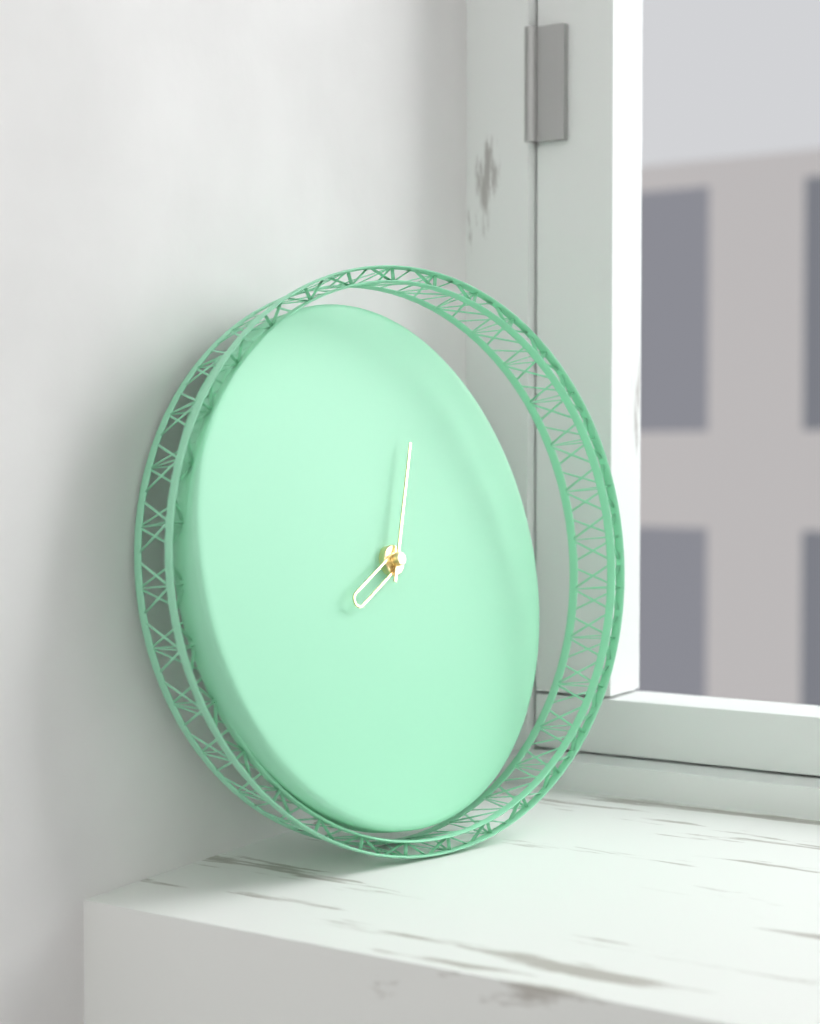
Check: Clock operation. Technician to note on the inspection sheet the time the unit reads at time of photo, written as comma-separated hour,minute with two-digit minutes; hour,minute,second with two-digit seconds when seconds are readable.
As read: 8,04
